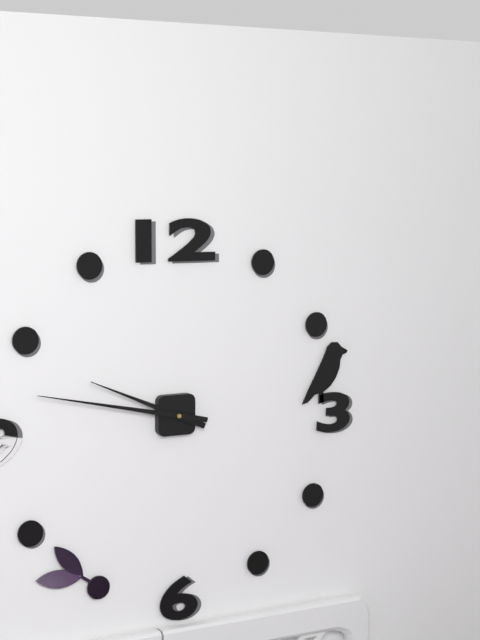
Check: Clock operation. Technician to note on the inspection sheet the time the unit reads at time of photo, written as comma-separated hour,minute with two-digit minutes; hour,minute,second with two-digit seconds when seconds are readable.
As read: 9,47
